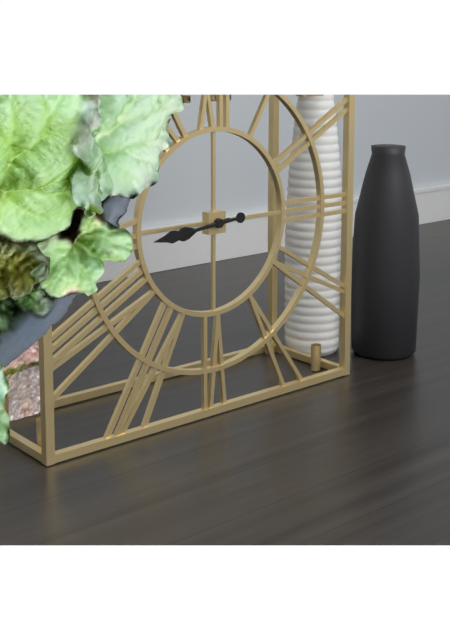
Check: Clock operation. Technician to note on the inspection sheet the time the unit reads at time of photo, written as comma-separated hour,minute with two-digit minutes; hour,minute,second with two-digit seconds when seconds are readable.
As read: 8,44
